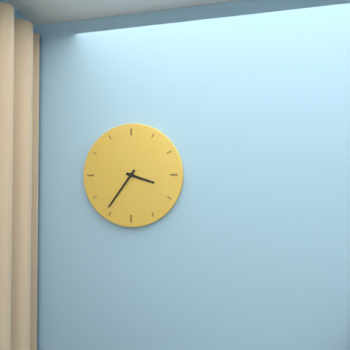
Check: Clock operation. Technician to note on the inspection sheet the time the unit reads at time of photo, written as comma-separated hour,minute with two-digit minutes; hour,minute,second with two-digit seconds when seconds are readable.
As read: 3,36
